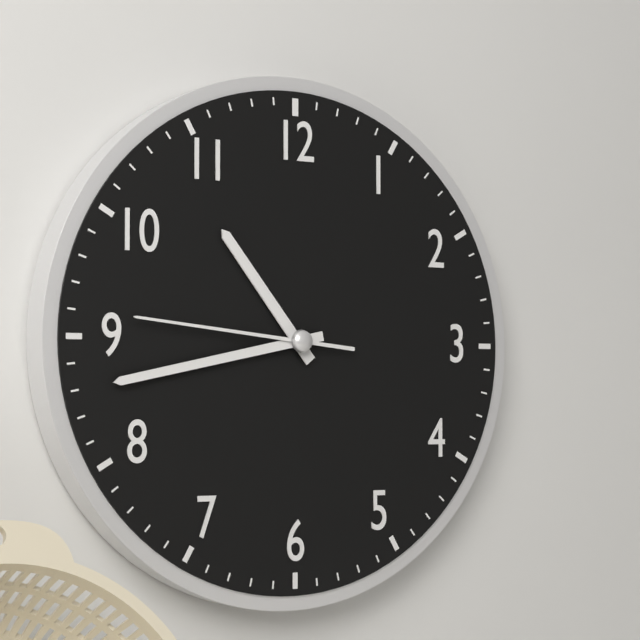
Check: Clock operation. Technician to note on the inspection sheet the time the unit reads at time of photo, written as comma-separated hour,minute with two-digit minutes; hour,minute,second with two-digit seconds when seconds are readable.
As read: 10,43,46
